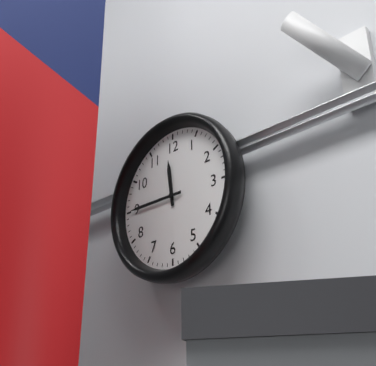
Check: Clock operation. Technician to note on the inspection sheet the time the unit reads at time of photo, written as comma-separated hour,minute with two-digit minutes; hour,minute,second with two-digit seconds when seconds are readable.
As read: 11,45
